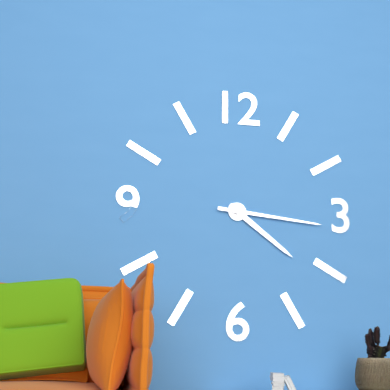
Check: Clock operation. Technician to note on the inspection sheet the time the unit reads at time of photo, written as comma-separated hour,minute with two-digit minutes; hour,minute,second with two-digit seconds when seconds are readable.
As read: 4,16
